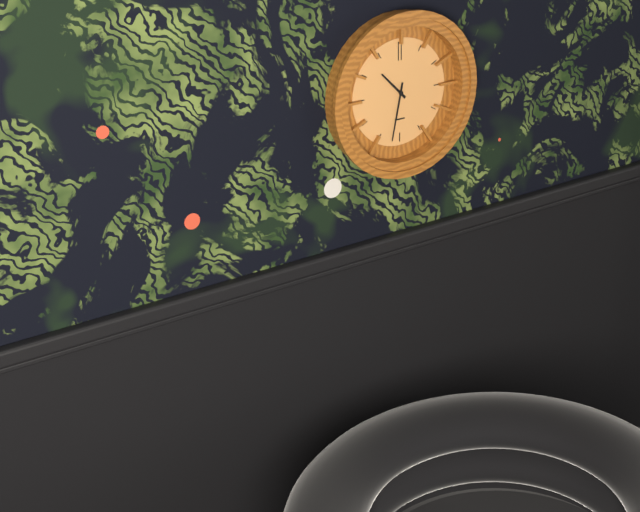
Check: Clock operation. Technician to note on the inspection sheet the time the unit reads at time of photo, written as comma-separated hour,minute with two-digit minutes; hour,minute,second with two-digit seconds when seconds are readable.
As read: 10,32
